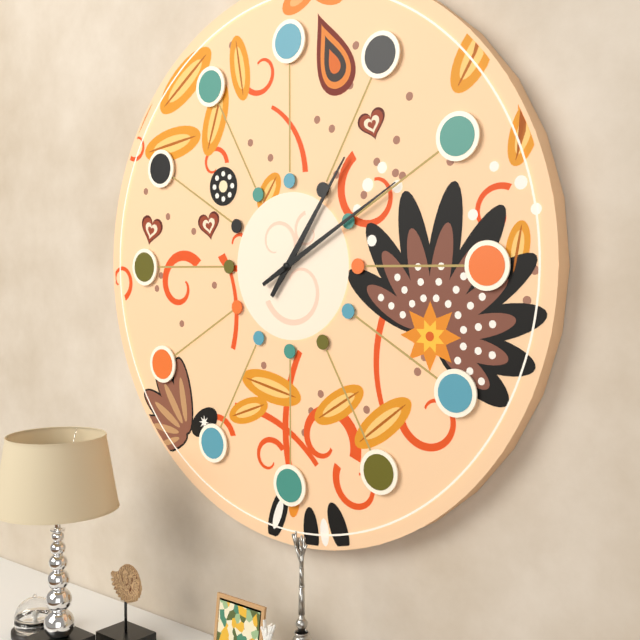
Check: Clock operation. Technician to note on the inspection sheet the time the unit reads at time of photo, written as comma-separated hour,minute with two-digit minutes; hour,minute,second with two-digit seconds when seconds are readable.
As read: 1,10
